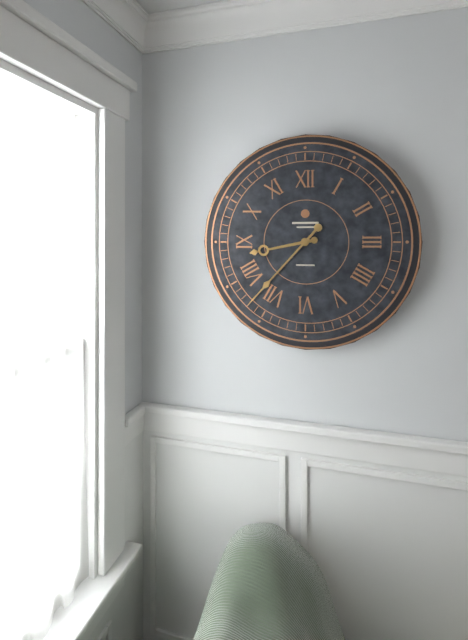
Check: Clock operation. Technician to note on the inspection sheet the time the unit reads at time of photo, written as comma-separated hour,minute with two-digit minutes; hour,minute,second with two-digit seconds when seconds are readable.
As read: 8,37
